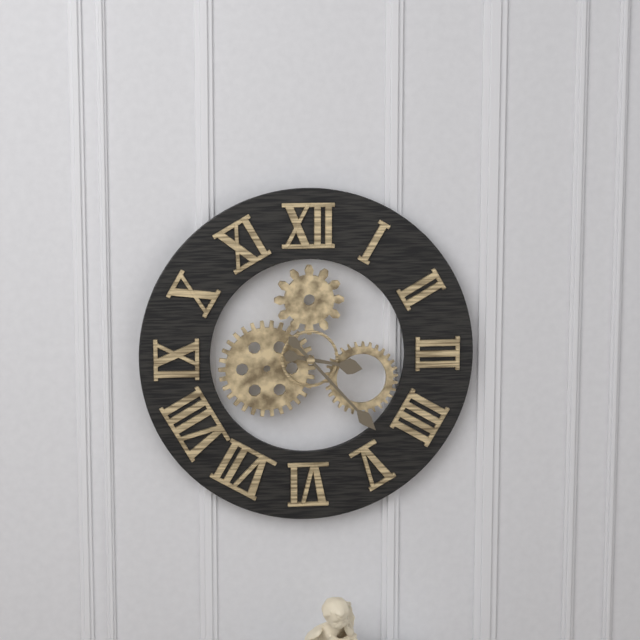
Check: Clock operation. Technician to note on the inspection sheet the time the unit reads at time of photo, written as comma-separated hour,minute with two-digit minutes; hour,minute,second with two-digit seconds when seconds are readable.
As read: 3,23
